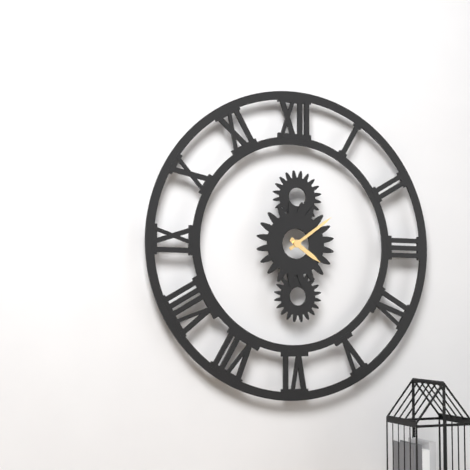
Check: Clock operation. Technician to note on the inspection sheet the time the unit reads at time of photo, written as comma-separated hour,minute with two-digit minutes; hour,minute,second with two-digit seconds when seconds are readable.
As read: 4,09
